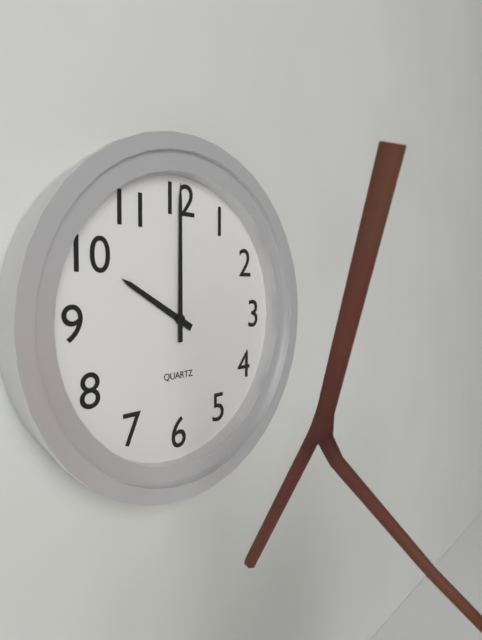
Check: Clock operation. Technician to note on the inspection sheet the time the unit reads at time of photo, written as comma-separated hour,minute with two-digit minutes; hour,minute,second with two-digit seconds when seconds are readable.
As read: 10,00
